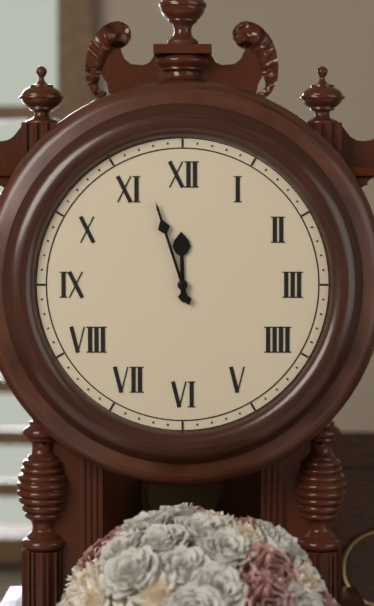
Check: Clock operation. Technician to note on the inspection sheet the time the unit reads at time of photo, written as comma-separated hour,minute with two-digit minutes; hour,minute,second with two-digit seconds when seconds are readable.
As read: 11,57
